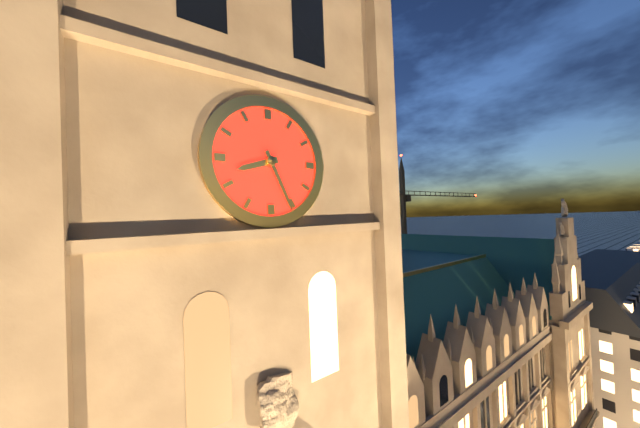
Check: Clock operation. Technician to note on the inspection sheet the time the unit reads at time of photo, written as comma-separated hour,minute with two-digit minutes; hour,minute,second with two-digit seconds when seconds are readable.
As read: 8,26
